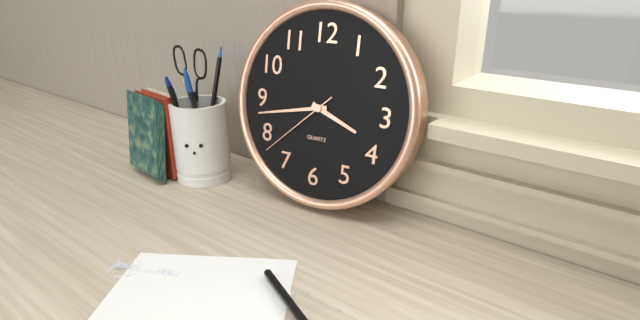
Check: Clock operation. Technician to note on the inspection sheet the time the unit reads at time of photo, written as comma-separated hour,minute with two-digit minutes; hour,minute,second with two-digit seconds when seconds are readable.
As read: 3,43,38
